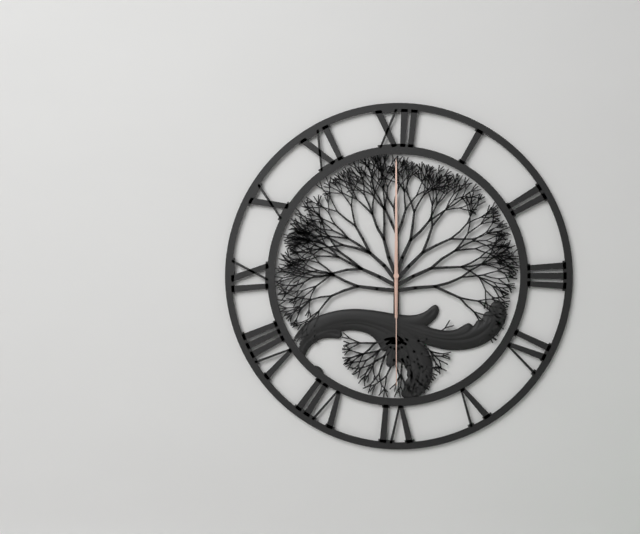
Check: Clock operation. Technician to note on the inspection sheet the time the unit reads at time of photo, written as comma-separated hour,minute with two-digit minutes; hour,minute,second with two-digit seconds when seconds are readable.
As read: 12,00,30
